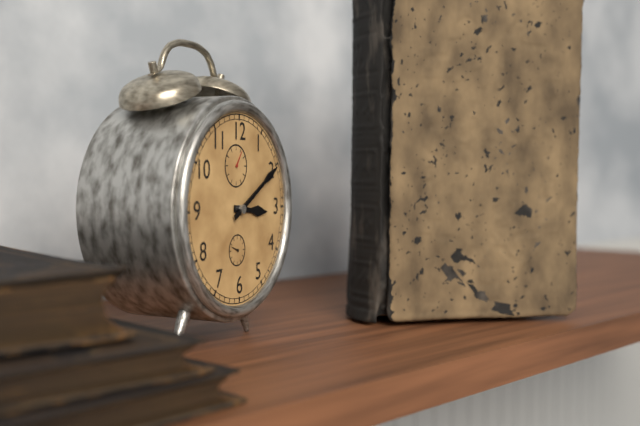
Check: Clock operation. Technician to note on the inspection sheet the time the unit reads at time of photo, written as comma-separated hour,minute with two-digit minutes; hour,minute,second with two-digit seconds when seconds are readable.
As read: 3,10
